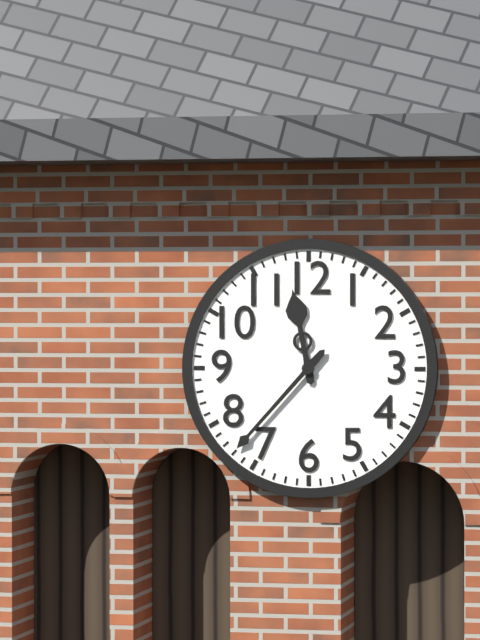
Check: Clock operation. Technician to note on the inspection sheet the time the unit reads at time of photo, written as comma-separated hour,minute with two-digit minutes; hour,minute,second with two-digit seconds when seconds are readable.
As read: 11,37
